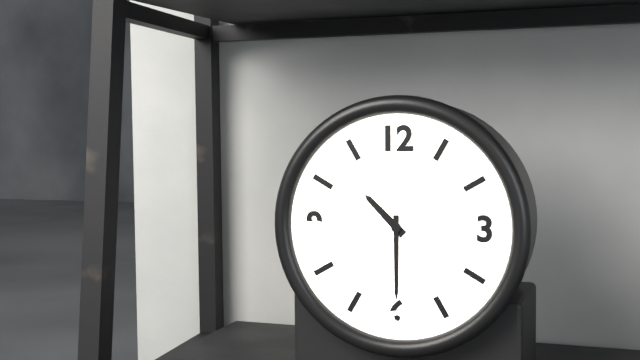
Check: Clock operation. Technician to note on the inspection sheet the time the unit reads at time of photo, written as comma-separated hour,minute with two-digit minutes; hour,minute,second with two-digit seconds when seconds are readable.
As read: 10,30
